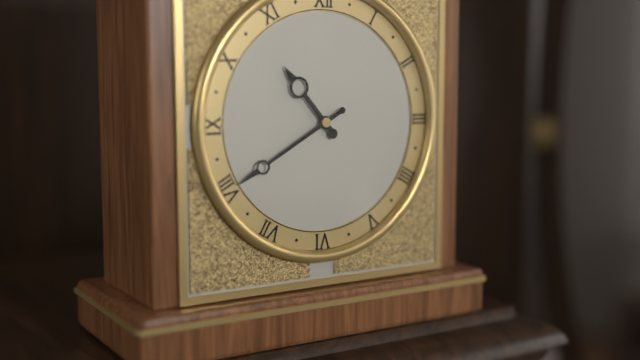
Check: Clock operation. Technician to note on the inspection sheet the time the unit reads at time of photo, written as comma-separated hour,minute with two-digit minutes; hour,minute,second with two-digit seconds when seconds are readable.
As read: 10,40
